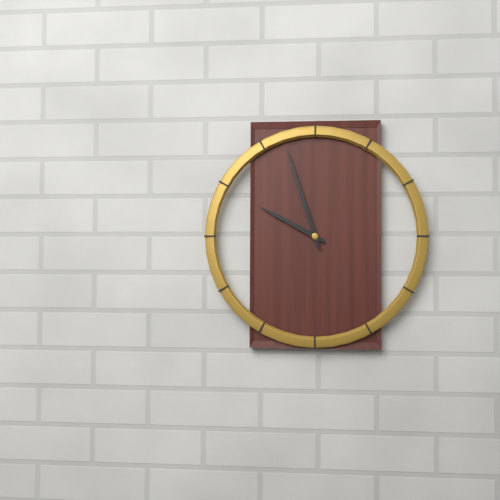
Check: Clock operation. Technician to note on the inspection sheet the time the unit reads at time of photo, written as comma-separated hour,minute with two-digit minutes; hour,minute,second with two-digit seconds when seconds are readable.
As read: 9,57
